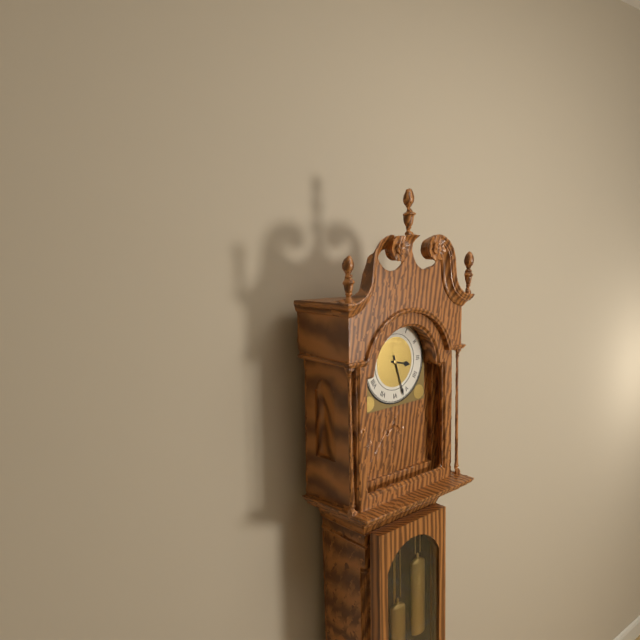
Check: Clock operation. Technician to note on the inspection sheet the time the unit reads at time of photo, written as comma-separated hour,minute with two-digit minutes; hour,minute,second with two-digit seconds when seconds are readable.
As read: 3,27
